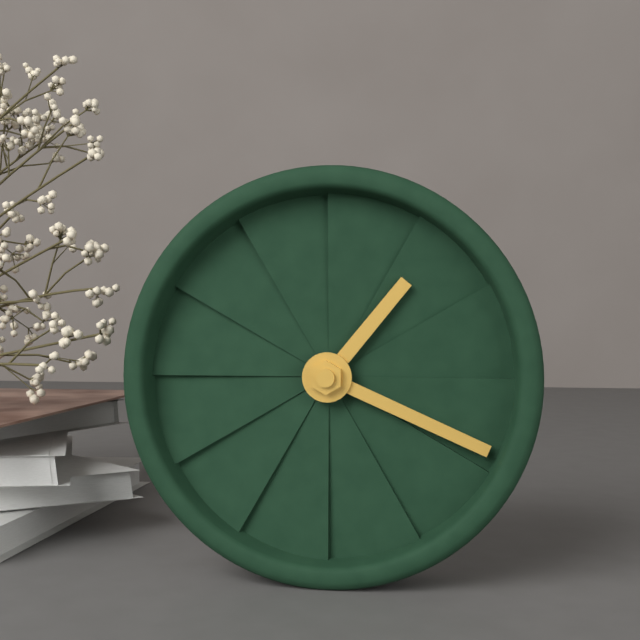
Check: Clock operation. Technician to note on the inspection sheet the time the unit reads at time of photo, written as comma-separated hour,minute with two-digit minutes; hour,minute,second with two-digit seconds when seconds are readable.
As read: 1,19
